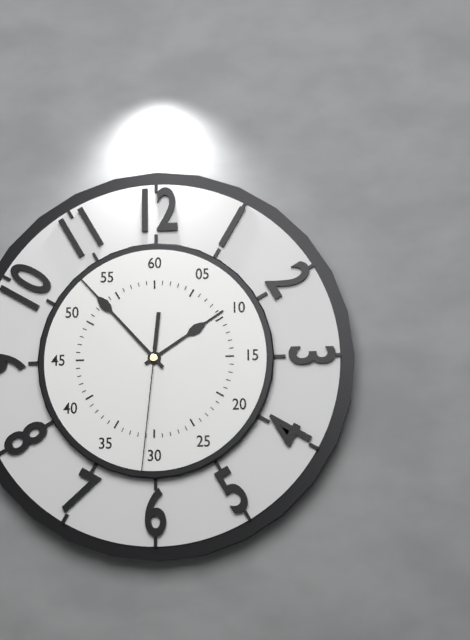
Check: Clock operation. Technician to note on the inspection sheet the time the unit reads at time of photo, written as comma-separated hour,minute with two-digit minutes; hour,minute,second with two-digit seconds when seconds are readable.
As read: 1,53,31
